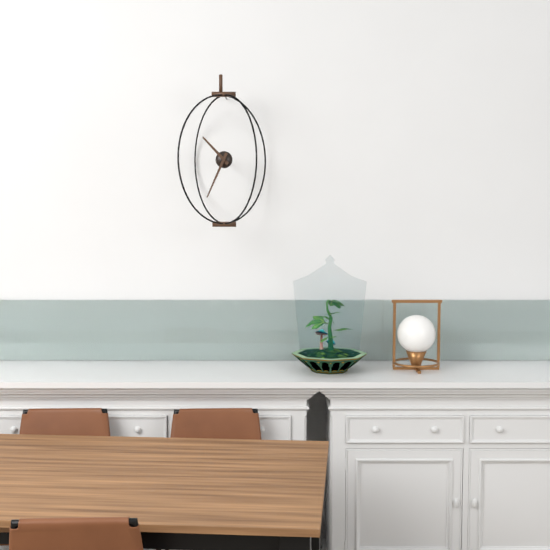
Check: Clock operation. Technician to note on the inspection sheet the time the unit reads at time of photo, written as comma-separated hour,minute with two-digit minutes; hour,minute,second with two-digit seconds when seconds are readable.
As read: 10,34
